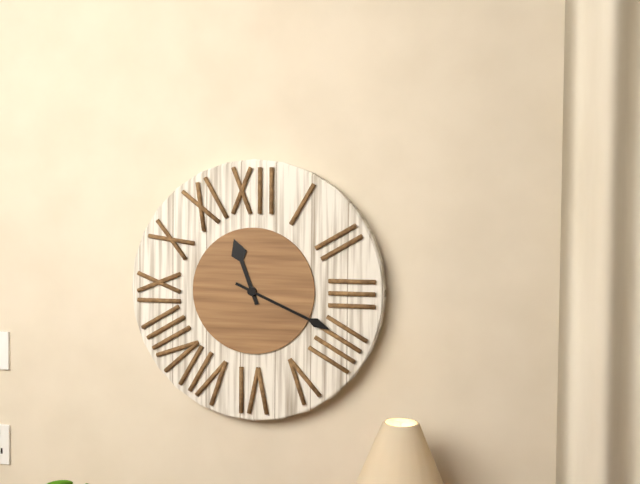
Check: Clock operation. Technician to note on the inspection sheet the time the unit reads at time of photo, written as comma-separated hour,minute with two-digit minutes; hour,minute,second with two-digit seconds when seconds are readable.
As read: 11,19
